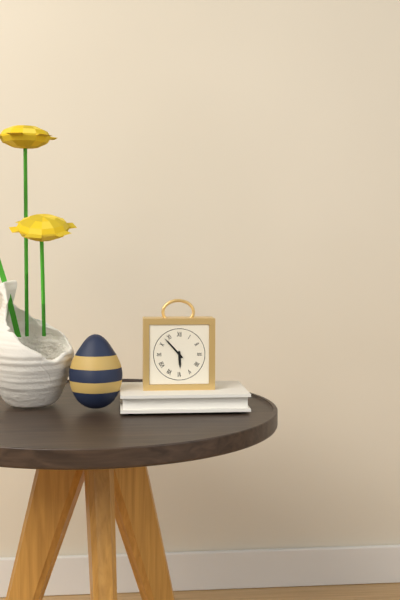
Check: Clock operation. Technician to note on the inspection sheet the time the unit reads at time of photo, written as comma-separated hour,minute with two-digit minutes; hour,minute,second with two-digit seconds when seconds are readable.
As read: 5,53
